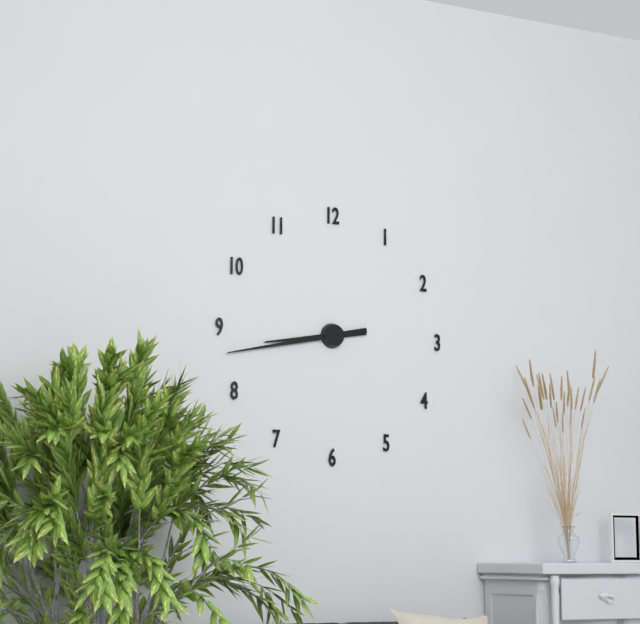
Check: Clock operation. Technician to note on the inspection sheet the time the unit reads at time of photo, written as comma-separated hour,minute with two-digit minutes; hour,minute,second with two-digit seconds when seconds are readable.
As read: 8,43
